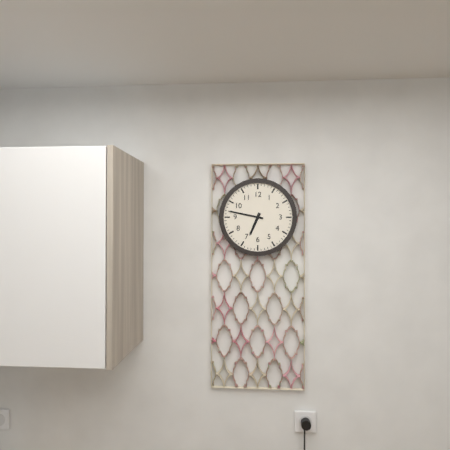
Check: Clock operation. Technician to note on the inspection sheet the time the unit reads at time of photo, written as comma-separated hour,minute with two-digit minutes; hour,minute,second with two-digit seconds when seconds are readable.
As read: 6,47
